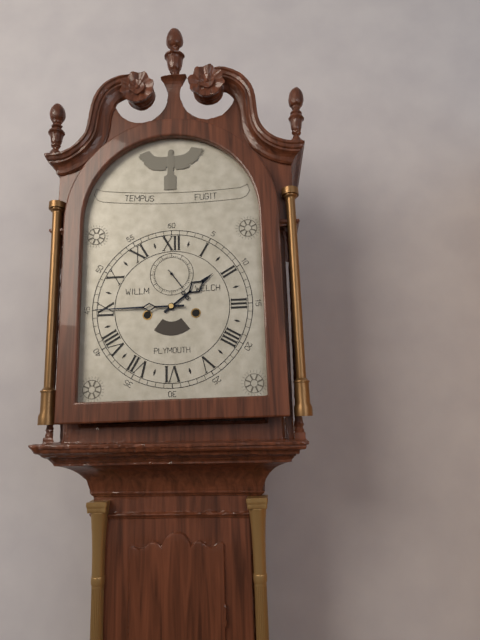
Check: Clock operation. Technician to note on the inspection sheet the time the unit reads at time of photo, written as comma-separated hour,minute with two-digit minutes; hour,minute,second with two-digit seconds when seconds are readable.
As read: 1,45
